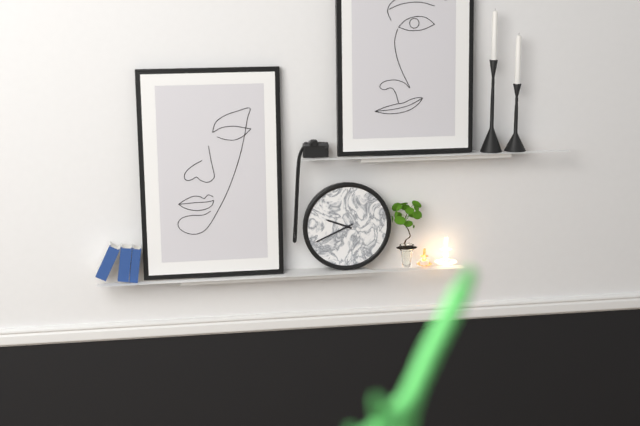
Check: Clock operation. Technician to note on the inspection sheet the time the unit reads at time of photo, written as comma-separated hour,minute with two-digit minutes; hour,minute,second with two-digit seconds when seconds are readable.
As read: 9,41
